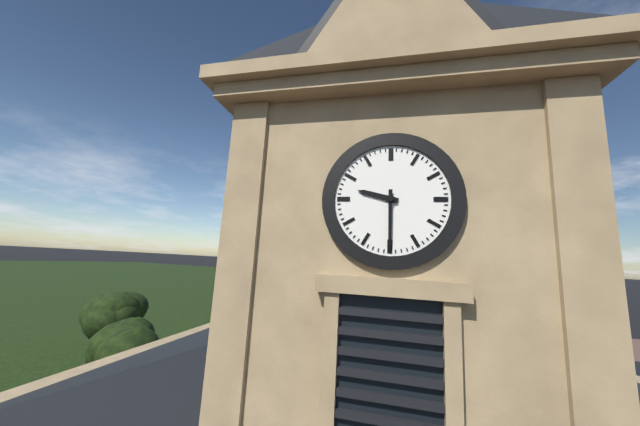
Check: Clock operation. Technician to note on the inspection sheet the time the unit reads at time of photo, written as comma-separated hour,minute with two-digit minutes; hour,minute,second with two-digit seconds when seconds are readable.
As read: 9,30
